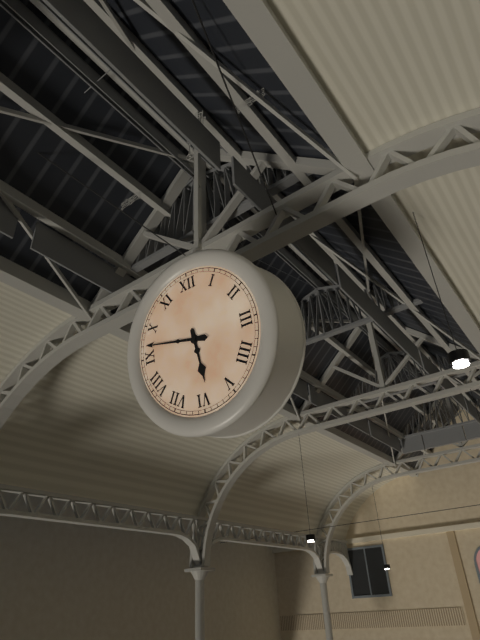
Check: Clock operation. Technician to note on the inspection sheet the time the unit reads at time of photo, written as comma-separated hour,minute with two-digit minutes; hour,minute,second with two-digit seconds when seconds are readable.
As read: 5,47
